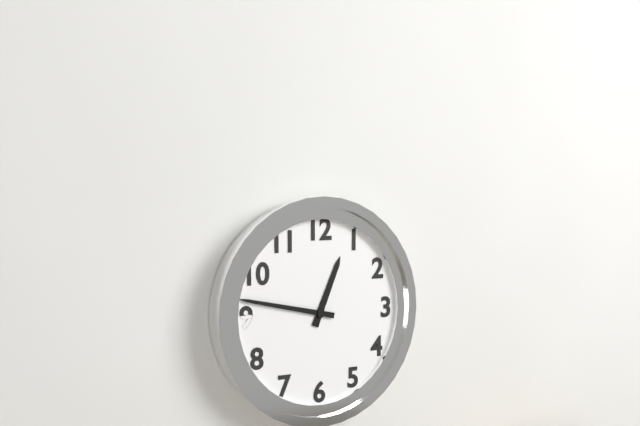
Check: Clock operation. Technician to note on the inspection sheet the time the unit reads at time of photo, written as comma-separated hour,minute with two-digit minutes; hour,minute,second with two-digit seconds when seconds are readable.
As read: 12,47
